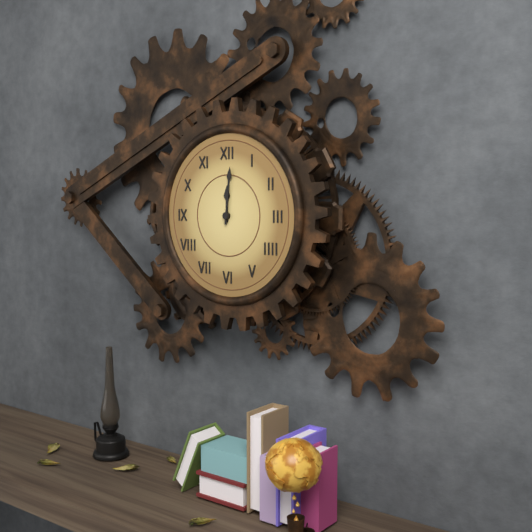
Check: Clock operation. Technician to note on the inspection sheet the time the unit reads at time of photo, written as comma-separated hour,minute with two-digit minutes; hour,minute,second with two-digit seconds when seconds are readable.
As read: 12,01
